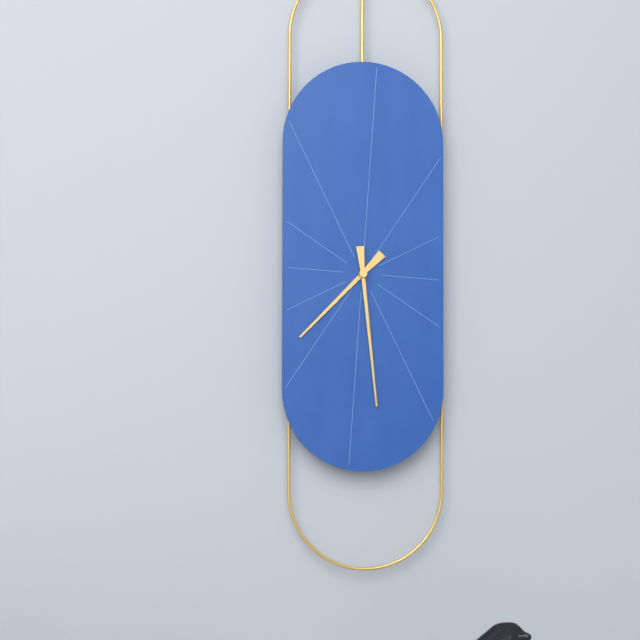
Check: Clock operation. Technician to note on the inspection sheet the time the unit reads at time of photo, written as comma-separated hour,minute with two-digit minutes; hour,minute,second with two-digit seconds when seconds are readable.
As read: 7,29
